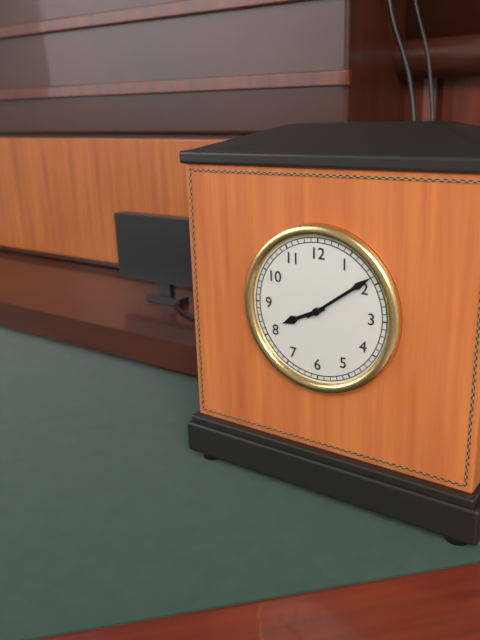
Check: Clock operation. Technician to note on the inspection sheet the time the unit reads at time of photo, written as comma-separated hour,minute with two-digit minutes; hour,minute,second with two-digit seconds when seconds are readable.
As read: 8,09
